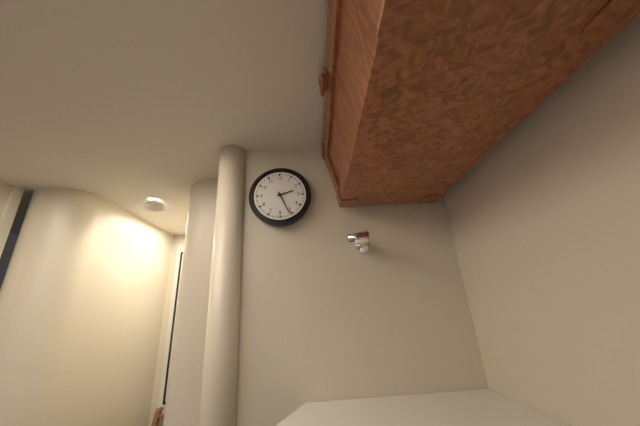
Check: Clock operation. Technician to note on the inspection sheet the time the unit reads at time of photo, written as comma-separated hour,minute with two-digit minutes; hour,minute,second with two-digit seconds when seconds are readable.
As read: 2,26
